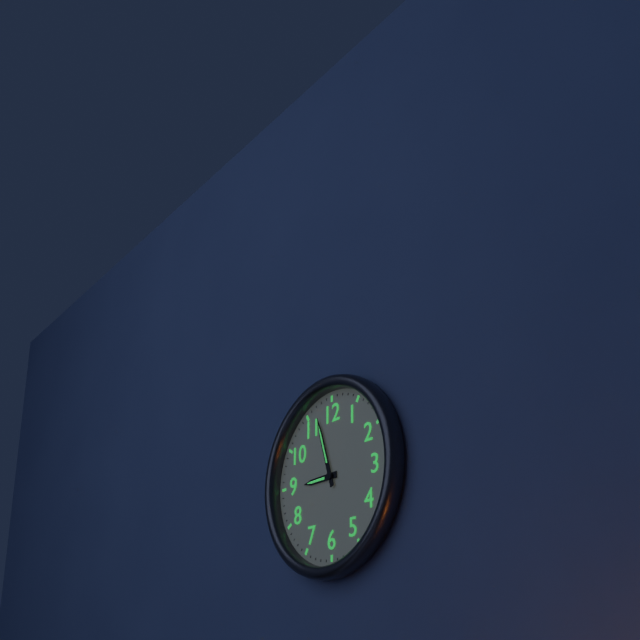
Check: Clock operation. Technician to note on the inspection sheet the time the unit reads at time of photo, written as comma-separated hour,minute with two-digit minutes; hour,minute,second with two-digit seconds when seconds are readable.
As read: 8,57
